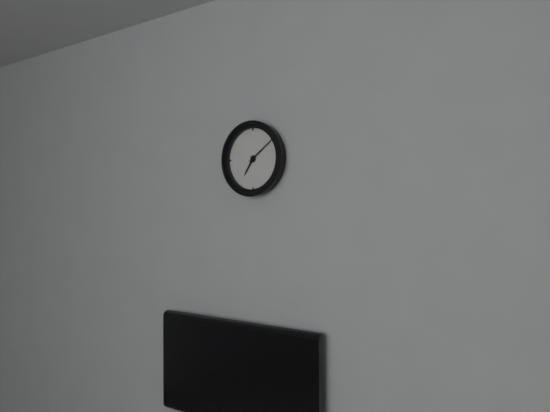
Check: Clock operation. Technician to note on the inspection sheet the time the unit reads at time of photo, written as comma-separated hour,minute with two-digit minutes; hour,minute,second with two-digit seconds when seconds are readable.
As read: 7,09
